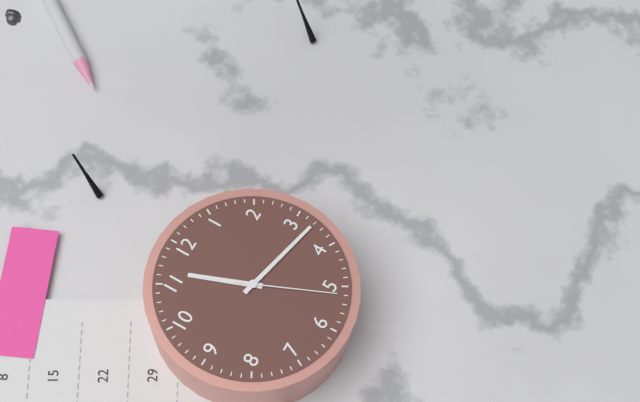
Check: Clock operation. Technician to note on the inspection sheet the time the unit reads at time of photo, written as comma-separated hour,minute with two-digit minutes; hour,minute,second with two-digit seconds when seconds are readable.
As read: 11,17,26
